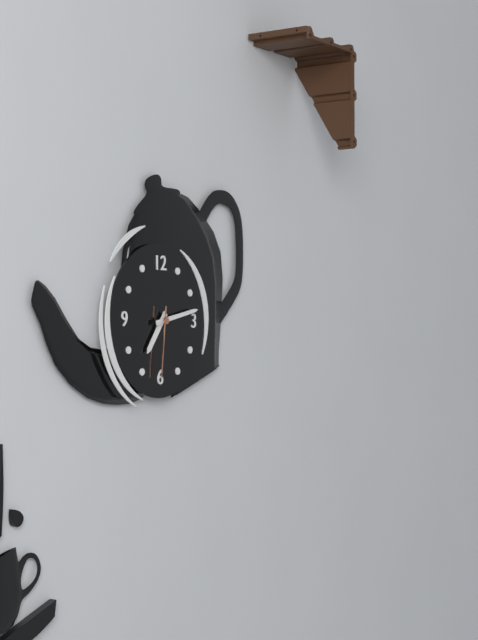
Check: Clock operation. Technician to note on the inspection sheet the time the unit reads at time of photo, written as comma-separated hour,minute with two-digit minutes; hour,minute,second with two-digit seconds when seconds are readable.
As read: 7,13,31
